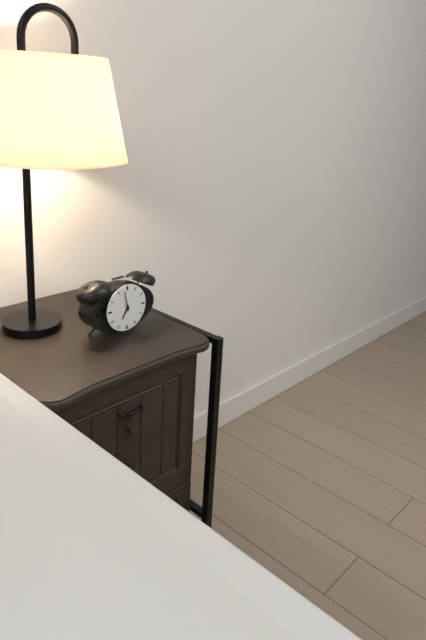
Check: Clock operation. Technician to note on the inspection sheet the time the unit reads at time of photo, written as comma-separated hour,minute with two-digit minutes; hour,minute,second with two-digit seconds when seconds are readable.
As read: 6,58
